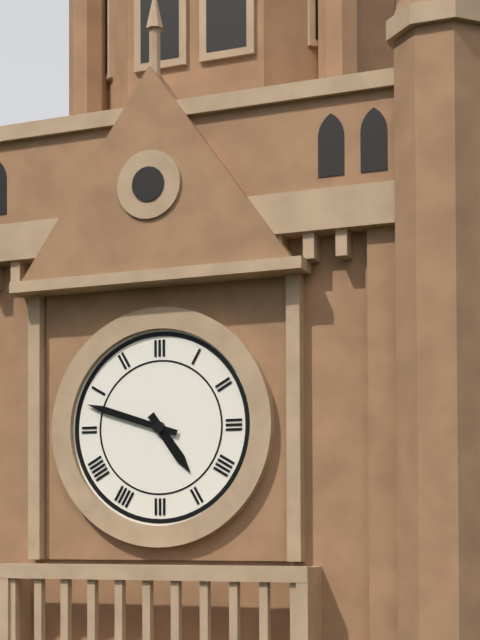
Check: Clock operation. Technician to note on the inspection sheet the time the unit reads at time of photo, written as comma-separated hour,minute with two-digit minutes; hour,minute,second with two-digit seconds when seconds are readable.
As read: 4,48
